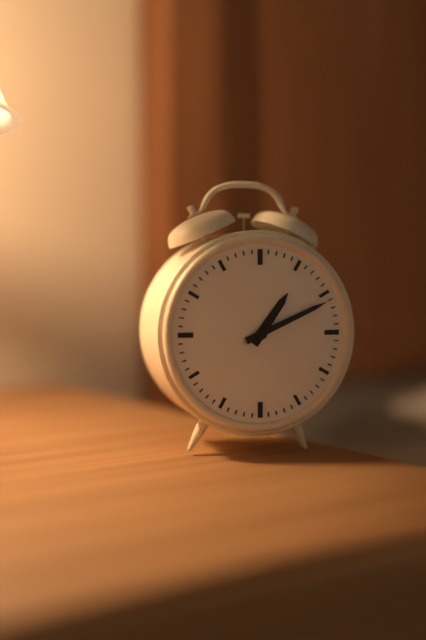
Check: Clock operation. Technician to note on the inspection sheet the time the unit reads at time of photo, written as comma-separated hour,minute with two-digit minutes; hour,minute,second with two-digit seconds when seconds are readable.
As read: 1,11
